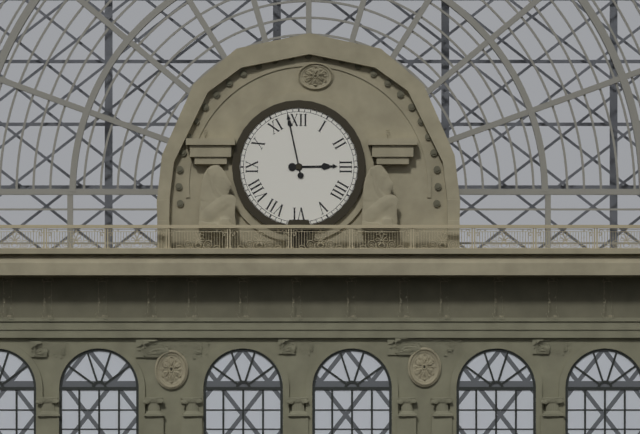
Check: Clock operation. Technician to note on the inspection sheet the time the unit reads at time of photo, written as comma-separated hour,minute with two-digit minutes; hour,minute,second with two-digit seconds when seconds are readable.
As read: 2,58
